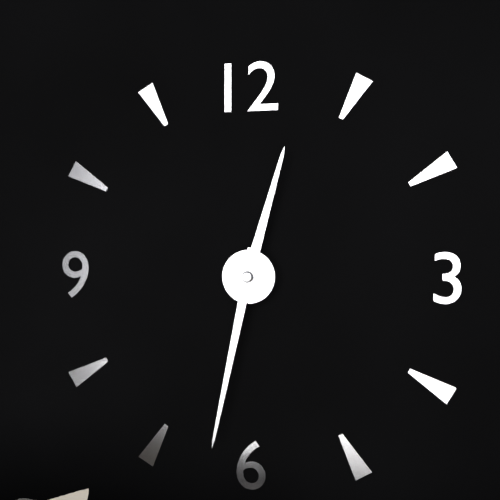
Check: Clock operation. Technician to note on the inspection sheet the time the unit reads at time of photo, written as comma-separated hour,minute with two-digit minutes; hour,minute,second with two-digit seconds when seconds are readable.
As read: 12,32
